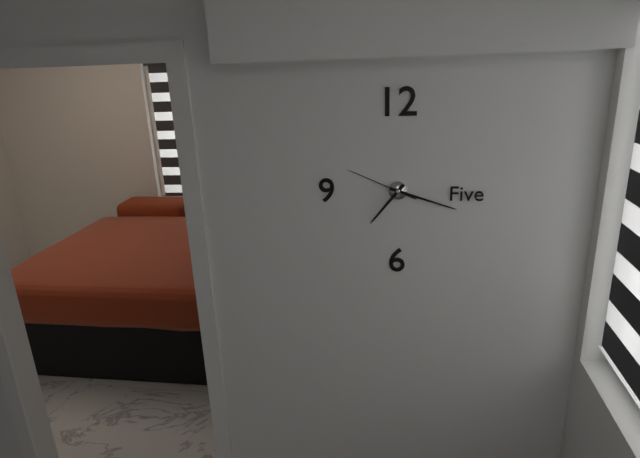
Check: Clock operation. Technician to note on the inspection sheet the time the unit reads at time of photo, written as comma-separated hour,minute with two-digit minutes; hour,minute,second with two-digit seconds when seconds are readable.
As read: 7,18,49
